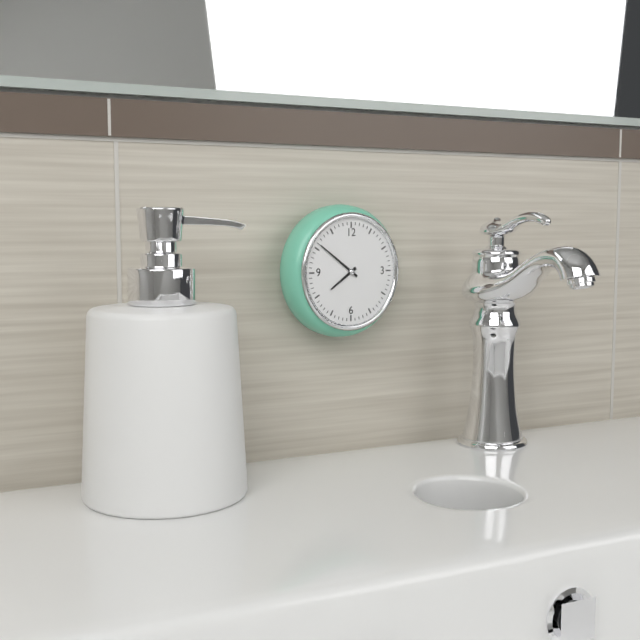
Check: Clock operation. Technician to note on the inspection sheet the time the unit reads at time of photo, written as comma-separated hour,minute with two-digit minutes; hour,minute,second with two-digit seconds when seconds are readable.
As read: 7,51
